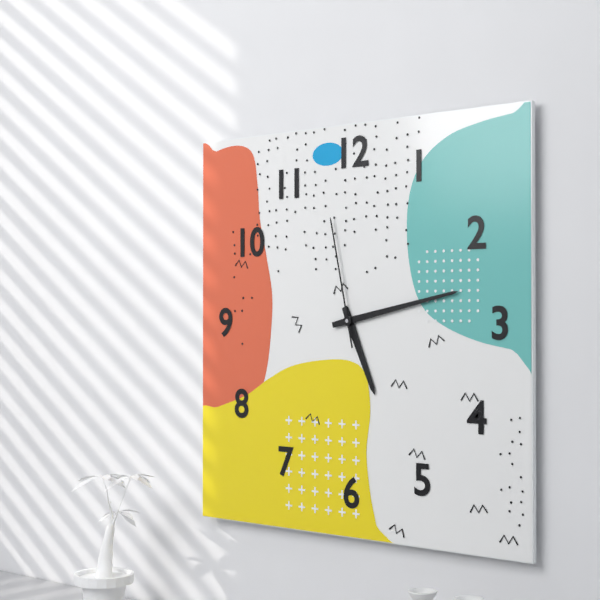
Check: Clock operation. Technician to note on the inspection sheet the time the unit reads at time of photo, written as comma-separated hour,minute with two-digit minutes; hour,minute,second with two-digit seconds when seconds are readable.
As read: 5,13,58
